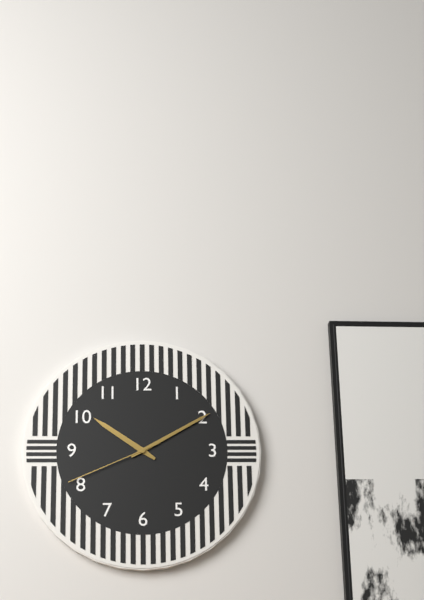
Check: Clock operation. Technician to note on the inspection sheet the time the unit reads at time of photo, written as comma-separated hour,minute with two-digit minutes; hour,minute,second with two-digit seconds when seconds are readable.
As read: 10,10,41
